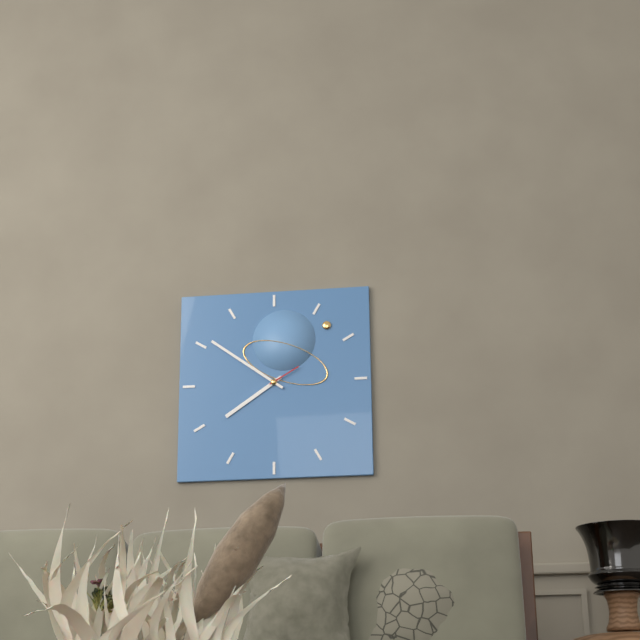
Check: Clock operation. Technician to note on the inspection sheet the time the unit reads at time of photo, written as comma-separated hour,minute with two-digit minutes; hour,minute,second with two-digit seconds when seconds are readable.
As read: 7,51
